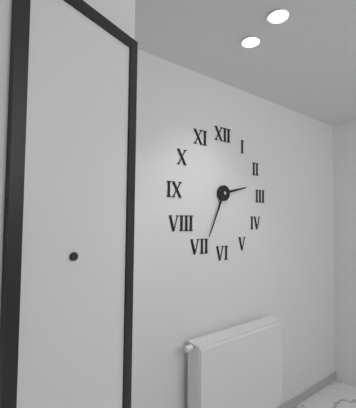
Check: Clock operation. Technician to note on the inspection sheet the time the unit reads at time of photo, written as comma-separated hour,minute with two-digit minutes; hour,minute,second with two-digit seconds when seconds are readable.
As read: 2,34
